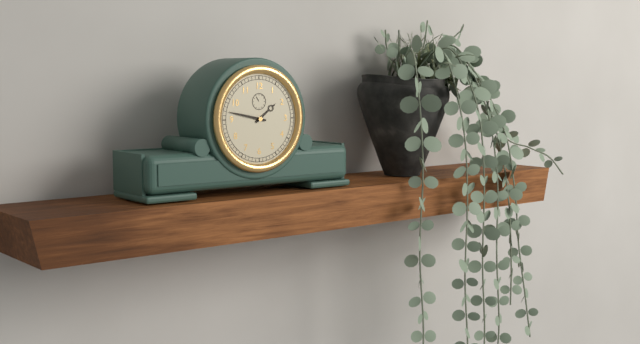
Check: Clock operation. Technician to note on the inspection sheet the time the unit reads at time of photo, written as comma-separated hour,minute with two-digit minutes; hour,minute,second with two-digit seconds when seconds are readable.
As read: 1,47
